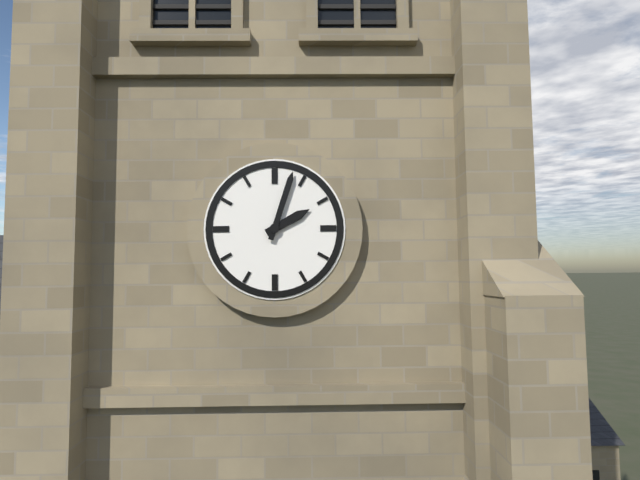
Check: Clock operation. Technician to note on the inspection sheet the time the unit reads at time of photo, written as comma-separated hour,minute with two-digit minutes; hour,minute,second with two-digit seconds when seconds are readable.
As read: 2,03
